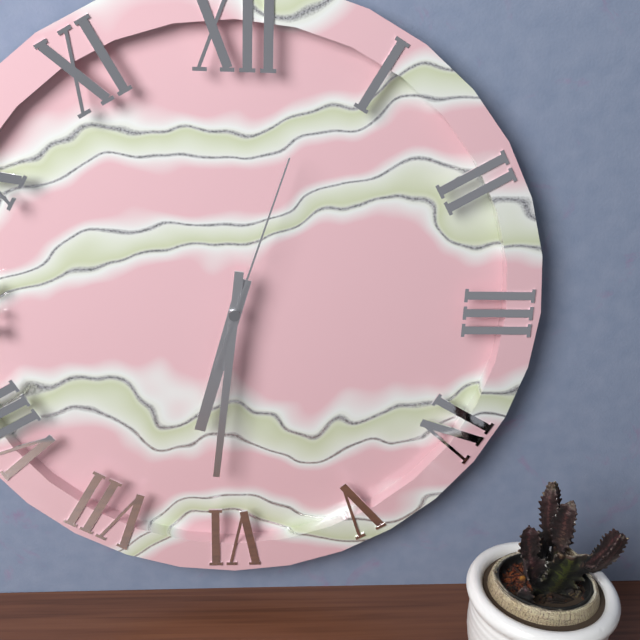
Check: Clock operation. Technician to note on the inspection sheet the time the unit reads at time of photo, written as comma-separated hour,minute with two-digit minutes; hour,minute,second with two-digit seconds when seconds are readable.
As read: 6,31,03
